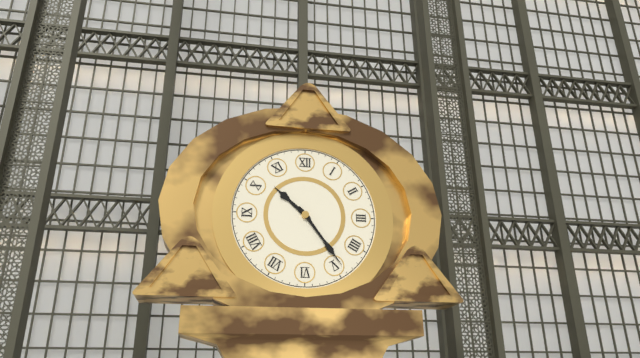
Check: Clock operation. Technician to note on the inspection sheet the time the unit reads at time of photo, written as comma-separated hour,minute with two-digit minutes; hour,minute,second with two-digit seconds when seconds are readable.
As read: 10,24
